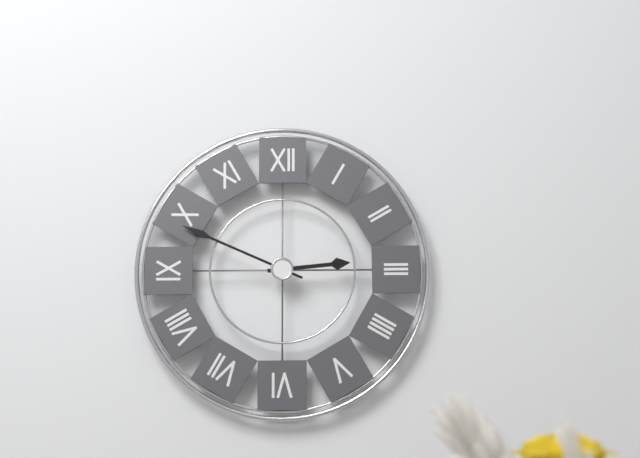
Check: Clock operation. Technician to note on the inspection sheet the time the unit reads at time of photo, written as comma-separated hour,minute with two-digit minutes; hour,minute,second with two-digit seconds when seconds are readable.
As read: 2,49
